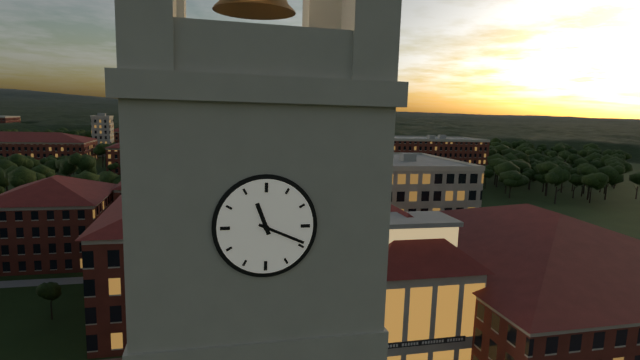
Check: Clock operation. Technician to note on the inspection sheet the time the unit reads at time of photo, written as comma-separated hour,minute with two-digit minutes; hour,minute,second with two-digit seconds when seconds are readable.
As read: 11,19
